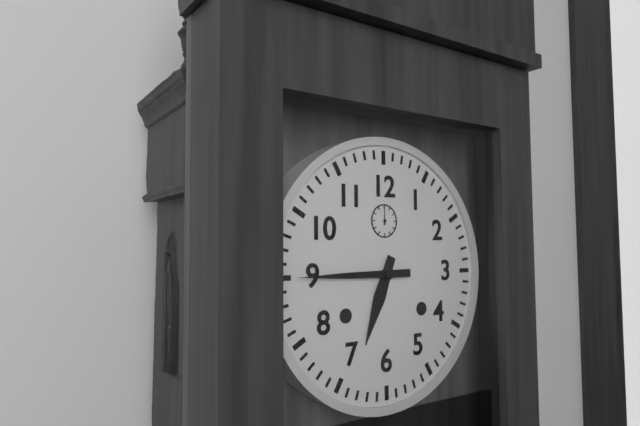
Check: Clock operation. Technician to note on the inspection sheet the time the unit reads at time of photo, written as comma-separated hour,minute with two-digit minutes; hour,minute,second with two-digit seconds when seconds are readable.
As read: 6,45
